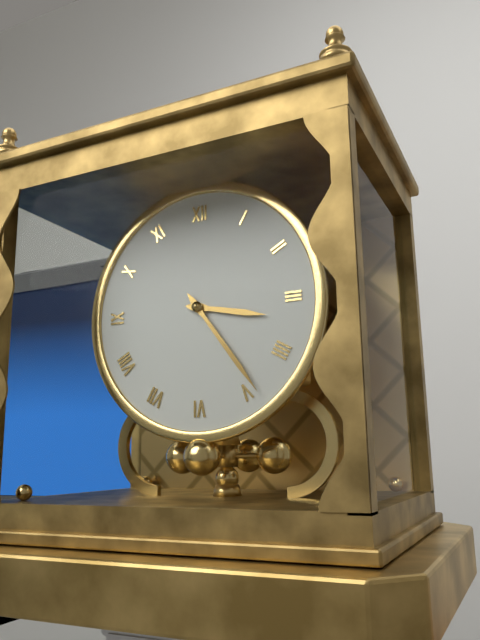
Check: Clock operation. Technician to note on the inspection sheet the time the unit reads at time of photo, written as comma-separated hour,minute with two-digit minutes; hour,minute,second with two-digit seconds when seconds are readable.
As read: 3,24
